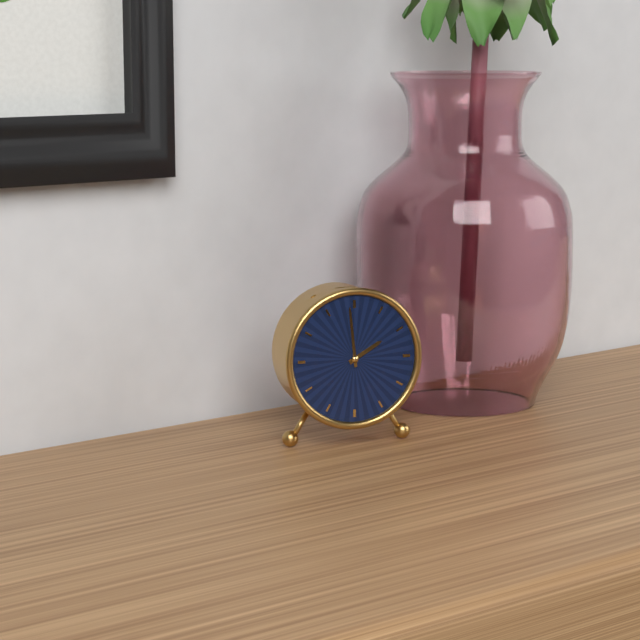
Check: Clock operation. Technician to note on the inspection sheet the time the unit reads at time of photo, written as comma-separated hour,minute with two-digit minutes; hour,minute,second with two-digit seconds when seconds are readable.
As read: 1,59
